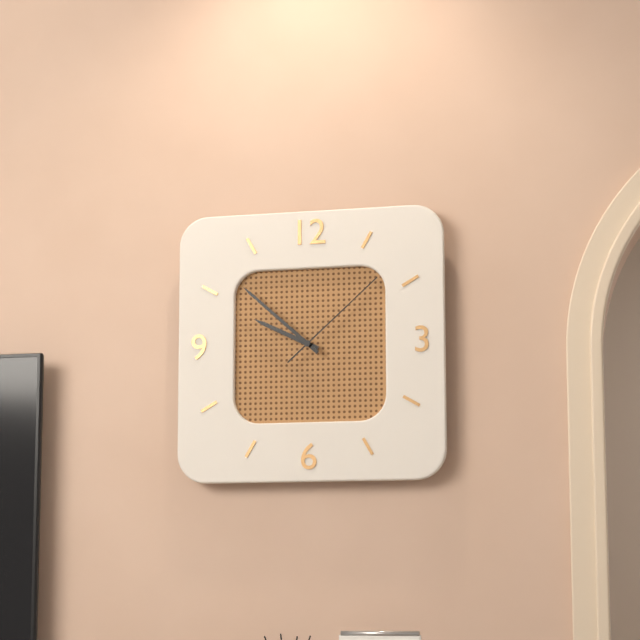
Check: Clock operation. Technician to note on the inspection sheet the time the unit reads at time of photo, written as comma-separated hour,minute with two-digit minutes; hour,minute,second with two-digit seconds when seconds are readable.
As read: 9,52,08
